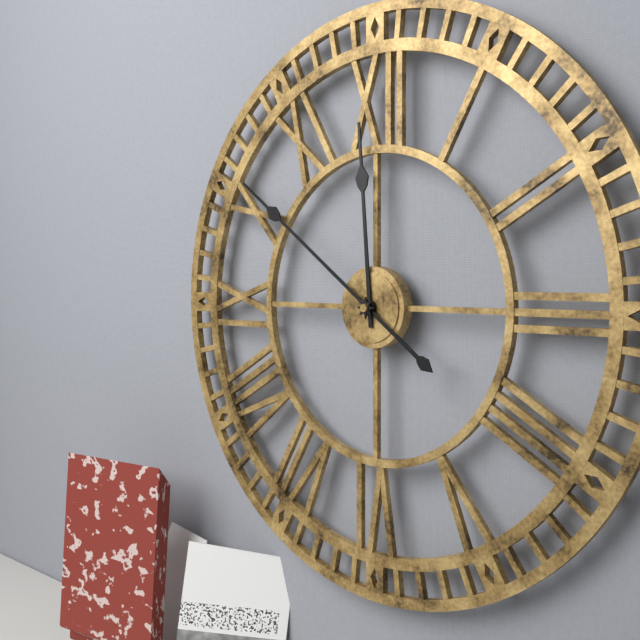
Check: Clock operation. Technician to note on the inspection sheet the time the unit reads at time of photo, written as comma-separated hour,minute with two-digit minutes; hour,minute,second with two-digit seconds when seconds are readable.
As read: 11,51
